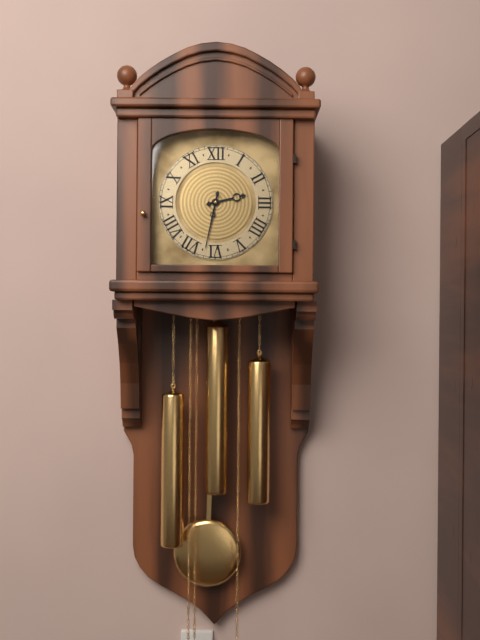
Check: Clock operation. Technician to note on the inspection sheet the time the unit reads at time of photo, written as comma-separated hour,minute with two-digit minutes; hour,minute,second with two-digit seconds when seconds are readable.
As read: 2,32
